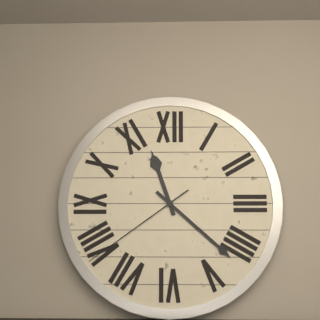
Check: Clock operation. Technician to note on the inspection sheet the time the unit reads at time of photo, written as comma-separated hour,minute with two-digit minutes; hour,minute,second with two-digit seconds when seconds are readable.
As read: 11,22,39
